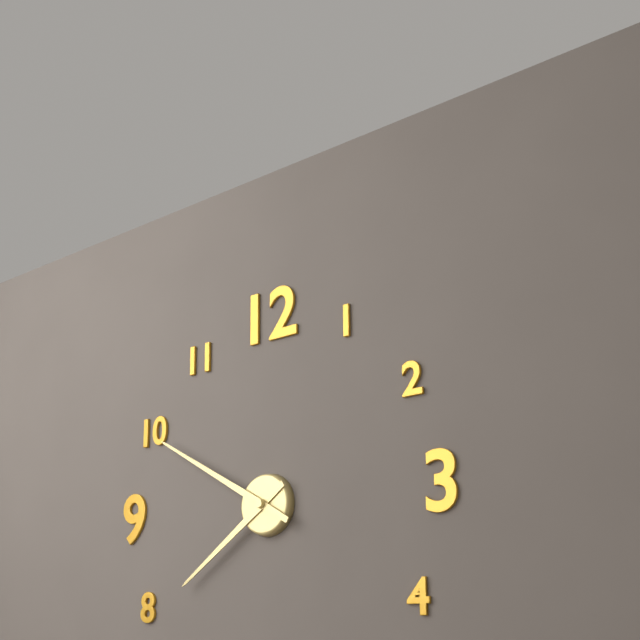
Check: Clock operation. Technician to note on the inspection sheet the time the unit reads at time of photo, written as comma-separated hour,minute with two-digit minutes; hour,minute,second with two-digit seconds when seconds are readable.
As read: 7,50
